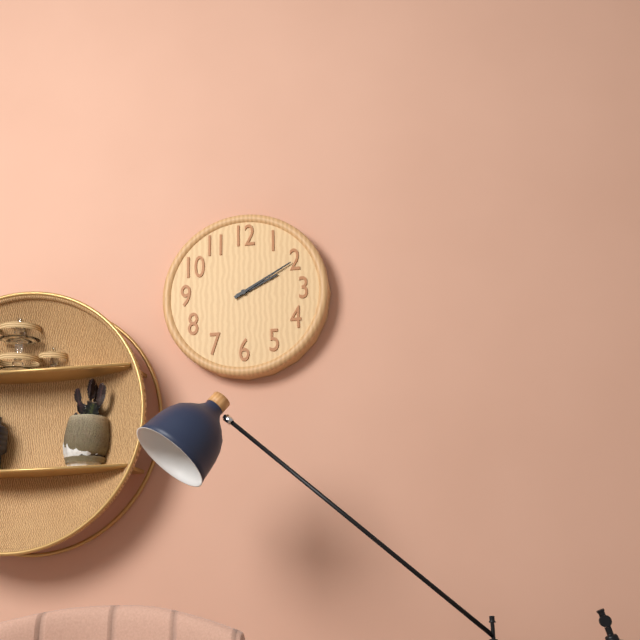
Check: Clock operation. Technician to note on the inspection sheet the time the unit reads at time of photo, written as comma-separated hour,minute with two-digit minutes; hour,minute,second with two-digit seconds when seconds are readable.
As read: 2,10
